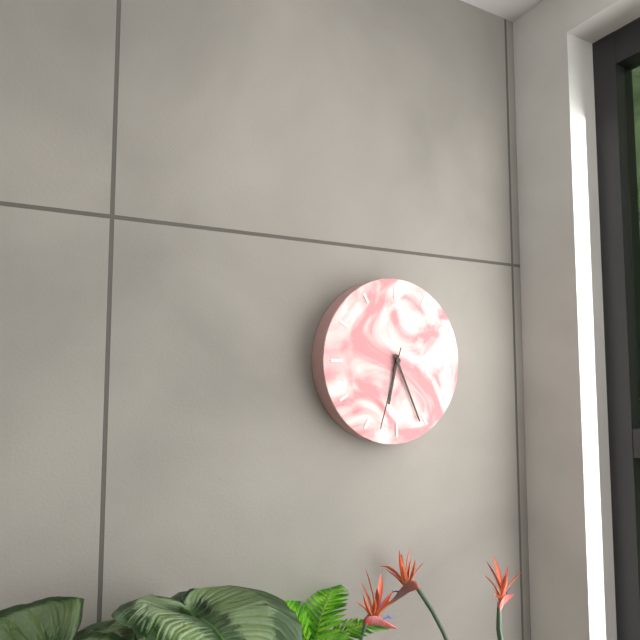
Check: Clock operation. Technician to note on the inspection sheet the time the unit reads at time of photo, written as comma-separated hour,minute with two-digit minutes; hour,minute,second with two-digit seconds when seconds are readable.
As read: 6,26,33
